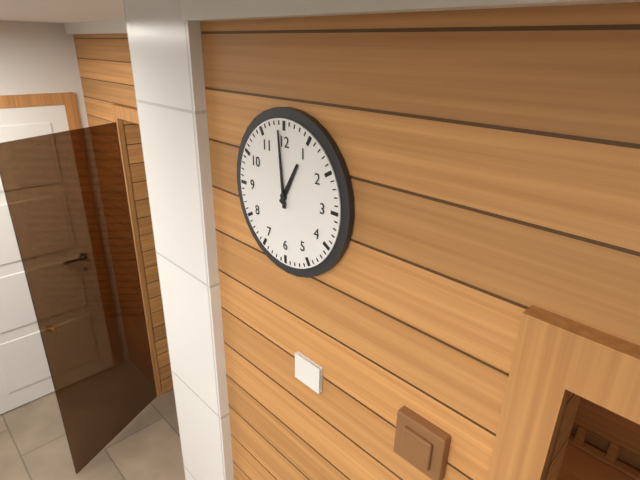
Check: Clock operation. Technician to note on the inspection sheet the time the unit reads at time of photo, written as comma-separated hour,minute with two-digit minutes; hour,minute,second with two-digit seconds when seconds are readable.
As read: 12,59
